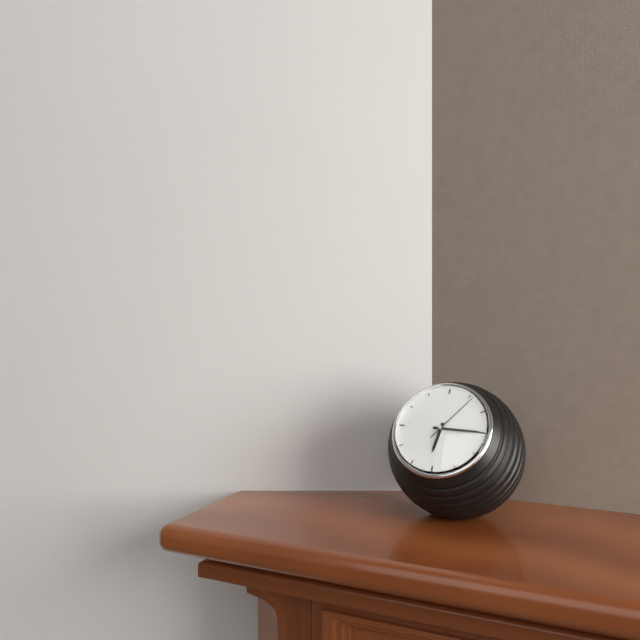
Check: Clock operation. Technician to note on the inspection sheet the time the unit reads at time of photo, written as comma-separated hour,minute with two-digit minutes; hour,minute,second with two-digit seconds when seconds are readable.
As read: 6,15,06
